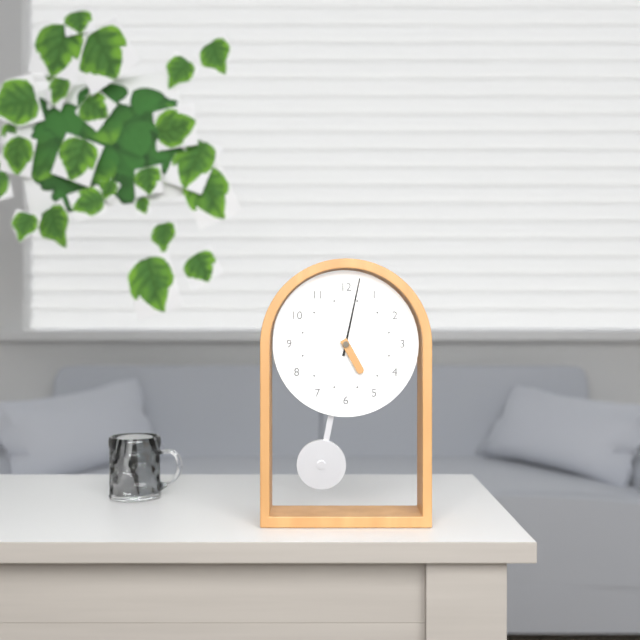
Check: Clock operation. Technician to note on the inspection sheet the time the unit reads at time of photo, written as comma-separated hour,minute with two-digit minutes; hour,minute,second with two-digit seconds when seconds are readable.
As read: 5,02
